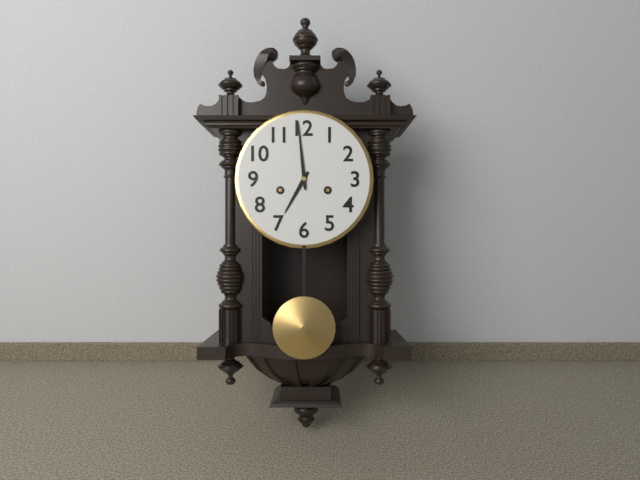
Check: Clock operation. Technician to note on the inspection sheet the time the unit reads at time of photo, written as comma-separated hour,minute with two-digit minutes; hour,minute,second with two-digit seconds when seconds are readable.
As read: 6,59
